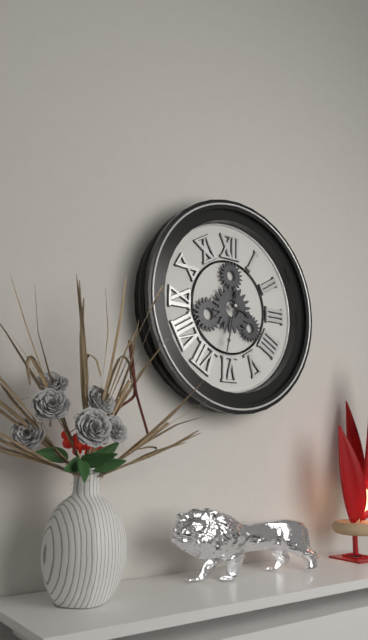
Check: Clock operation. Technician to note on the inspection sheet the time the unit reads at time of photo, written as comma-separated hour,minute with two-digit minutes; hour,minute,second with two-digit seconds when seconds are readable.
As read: 3,32
